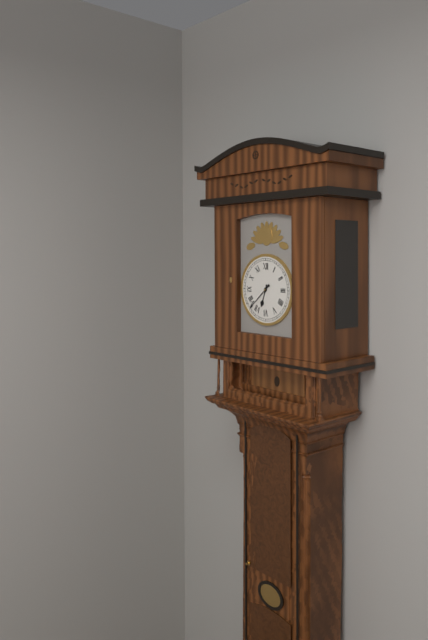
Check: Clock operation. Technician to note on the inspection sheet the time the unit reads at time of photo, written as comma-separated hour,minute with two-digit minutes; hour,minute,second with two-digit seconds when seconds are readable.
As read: 6,38
